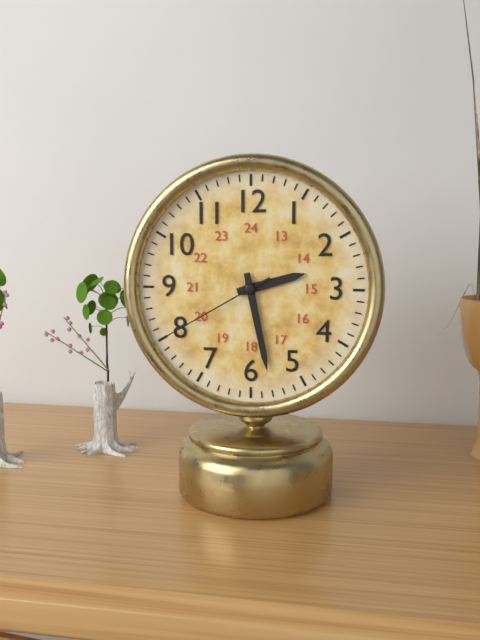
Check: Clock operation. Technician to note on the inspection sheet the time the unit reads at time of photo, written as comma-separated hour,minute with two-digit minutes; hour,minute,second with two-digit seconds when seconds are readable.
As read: 2,28,40
